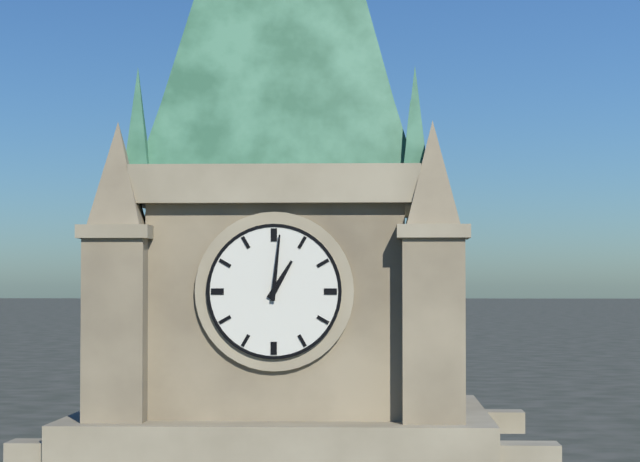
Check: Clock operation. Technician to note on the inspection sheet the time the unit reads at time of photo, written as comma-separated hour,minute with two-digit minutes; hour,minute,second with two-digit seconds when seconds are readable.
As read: 1,01
